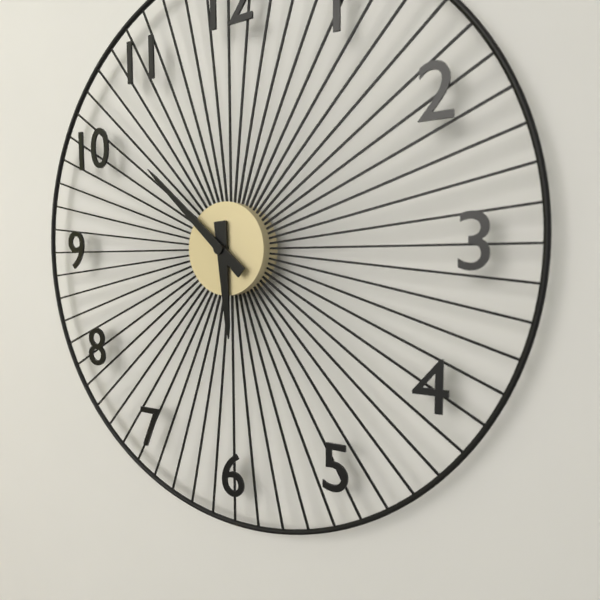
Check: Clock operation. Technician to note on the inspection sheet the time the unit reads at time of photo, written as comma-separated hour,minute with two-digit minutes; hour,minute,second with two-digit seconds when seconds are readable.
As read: 5,52
